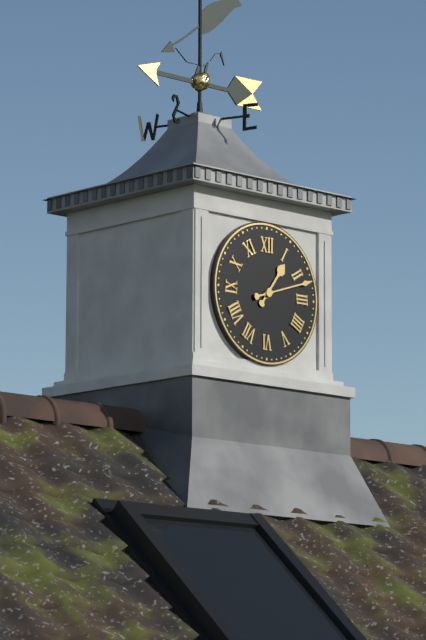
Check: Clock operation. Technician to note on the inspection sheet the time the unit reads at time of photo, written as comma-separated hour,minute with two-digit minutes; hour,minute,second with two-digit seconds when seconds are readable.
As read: 1,12
